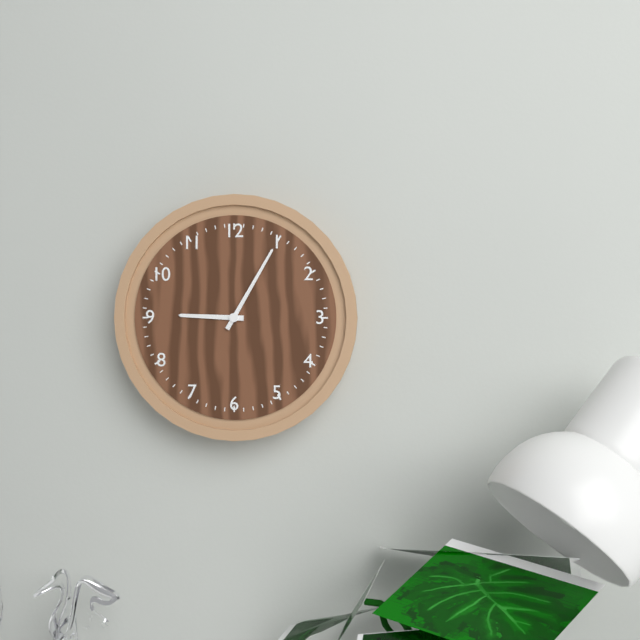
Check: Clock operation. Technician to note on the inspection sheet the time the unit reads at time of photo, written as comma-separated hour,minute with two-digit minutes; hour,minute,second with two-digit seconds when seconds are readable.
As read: 9,05
